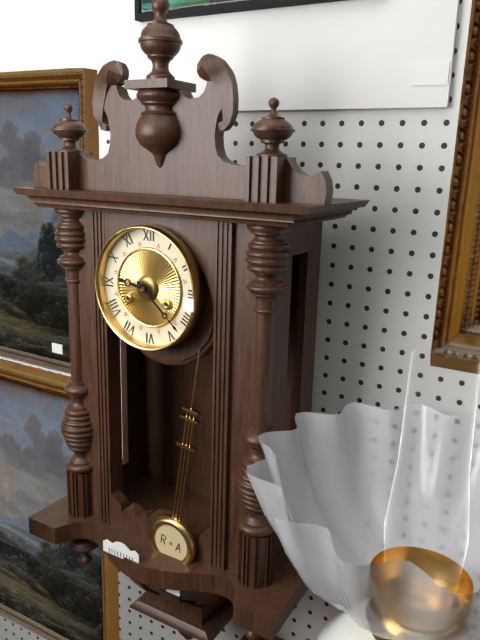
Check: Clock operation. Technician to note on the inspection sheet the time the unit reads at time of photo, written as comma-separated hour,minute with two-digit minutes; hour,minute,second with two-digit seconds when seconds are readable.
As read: 9,22
